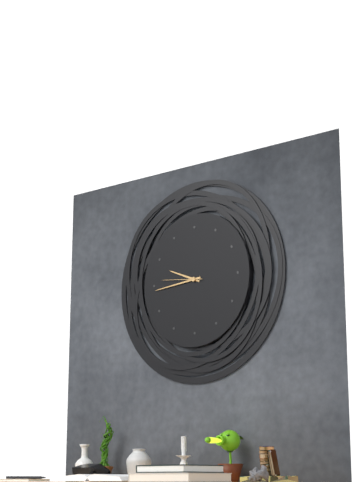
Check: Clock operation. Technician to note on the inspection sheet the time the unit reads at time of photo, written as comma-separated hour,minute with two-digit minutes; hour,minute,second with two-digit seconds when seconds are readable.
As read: 9,44
